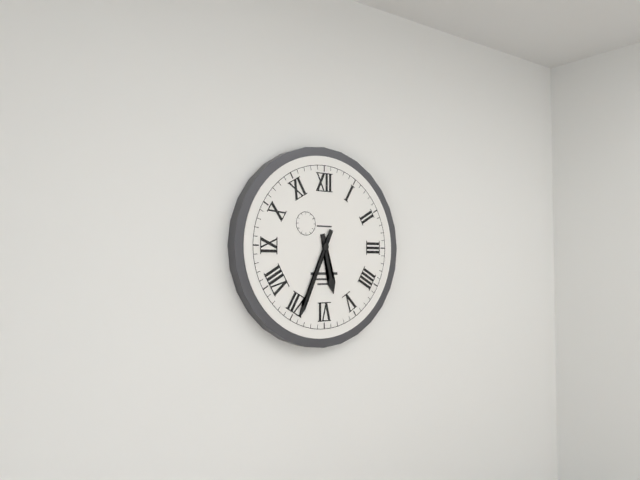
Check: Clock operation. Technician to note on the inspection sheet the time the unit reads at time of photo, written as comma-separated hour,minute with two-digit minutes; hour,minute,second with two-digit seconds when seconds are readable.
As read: 5,34
